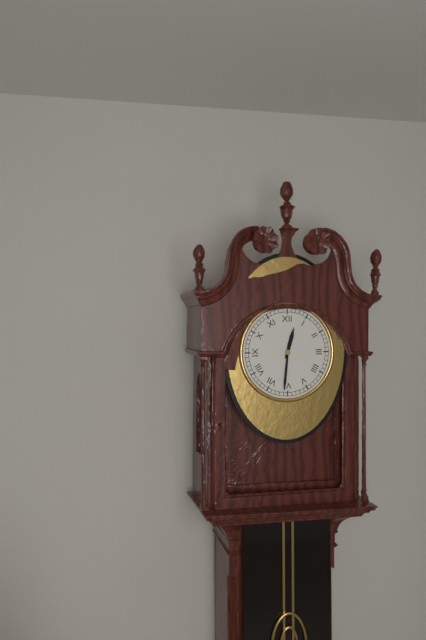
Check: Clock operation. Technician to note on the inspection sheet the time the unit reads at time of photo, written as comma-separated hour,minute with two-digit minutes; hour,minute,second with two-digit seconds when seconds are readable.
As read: 12,31
